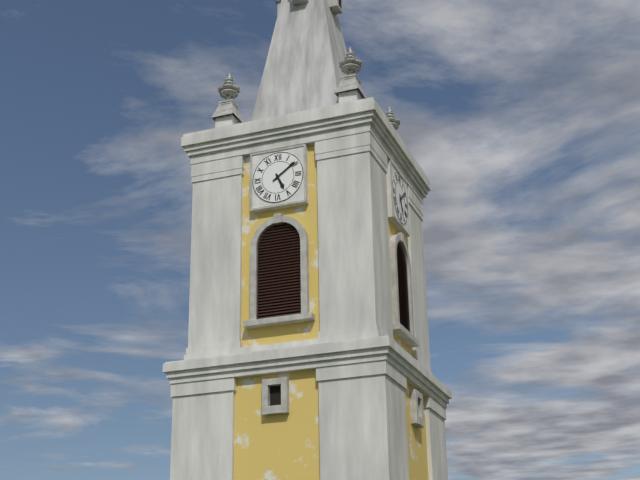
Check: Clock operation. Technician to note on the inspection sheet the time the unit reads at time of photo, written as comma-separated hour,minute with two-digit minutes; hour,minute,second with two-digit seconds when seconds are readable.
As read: 5,09
